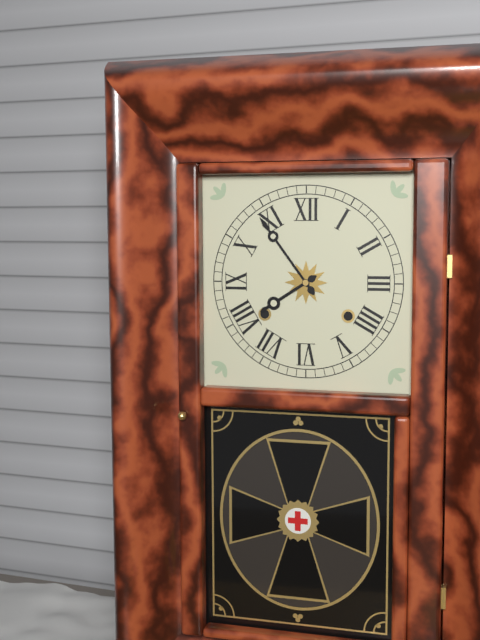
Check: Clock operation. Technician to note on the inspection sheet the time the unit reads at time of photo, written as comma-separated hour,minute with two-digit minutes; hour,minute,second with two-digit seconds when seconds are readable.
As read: 7,54
